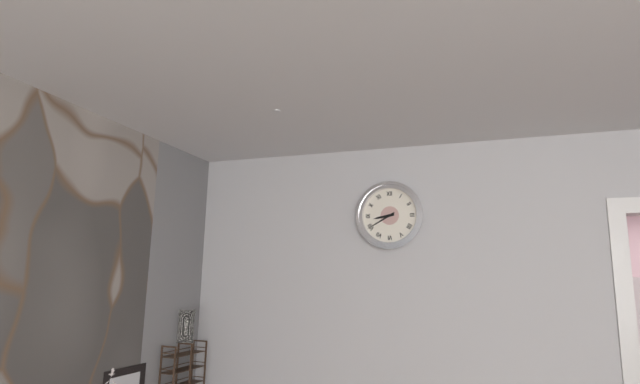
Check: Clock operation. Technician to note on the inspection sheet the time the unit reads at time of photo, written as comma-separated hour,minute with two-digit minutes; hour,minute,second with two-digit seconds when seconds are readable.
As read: 8,40
